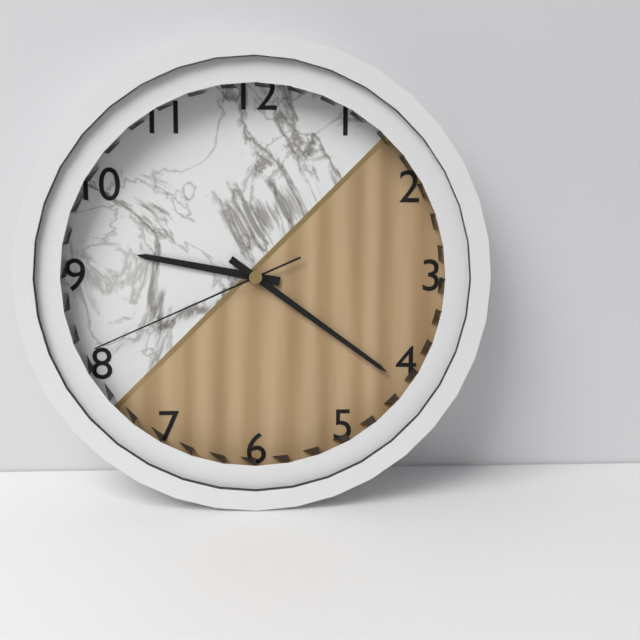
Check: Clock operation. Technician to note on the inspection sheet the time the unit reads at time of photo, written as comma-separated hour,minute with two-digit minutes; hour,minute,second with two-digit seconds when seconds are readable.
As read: 9,21,41
